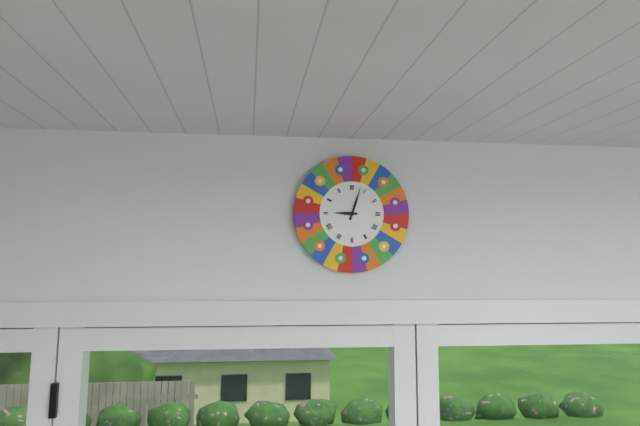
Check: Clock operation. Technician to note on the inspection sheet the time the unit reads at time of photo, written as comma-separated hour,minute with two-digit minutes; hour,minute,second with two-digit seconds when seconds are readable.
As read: 9,03
